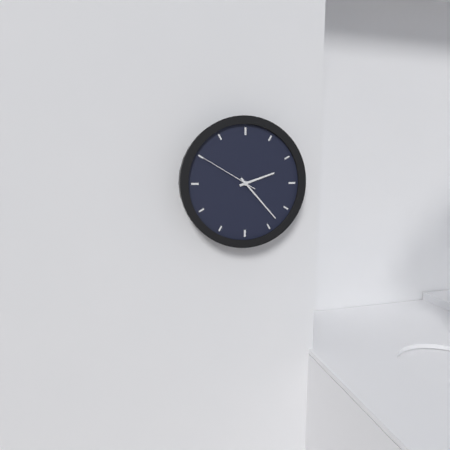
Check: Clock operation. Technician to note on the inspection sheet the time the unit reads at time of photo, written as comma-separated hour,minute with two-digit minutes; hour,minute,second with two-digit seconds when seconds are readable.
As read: 2,23,50
